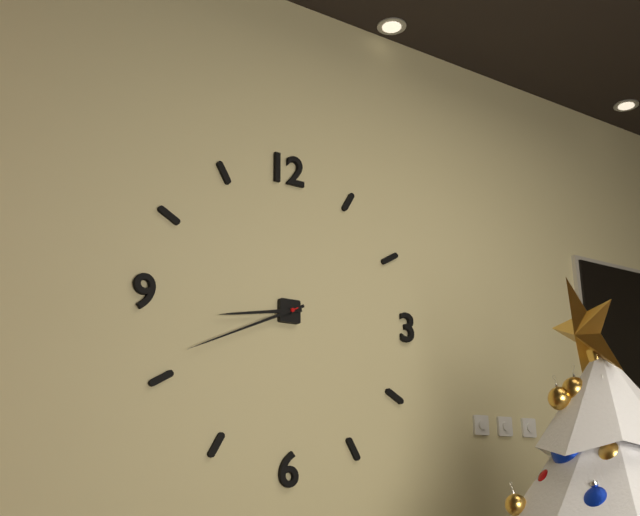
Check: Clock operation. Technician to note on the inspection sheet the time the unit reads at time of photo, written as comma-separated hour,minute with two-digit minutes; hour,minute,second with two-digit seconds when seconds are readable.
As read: 8,41
